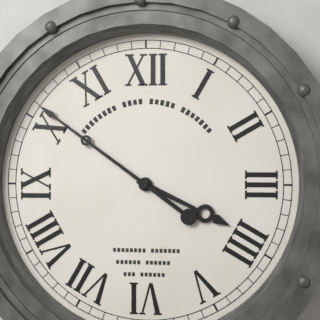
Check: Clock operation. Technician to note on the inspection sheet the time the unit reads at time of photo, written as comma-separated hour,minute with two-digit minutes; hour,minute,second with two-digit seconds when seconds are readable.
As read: 3,51
